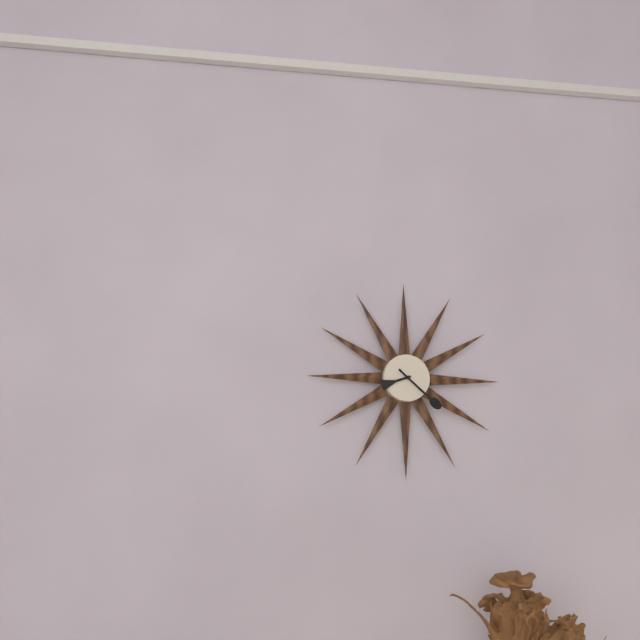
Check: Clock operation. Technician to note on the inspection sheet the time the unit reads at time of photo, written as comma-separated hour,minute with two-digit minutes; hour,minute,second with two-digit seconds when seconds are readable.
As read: 8,22
